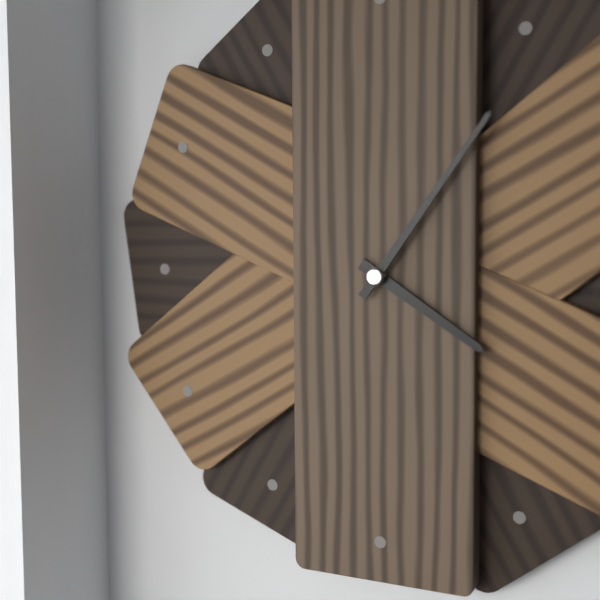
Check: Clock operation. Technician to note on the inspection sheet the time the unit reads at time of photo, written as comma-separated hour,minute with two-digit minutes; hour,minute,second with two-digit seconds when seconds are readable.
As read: 4,06
